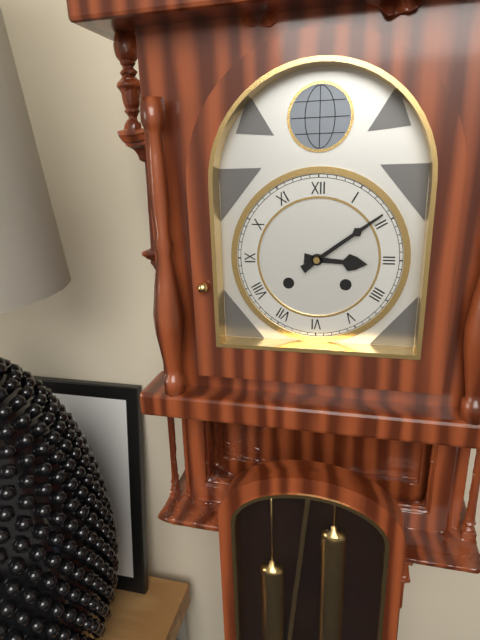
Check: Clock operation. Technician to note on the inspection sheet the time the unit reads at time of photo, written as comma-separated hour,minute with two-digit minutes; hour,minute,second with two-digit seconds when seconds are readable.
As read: 3,09
